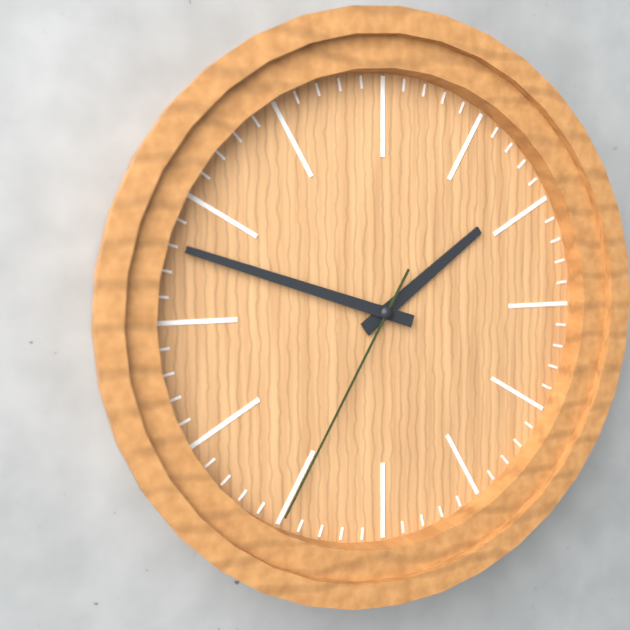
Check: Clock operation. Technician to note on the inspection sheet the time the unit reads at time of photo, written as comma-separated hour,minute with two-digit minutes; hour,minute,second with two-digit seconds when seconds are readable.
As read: 1,48,35
